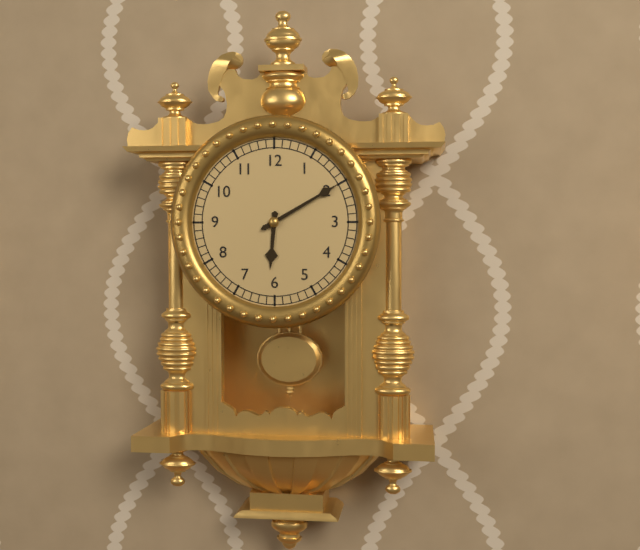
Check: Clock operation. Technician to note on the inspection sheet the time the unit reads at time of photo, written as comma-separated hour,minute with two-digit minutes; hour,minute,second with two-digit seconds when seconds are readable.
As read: 6,10
